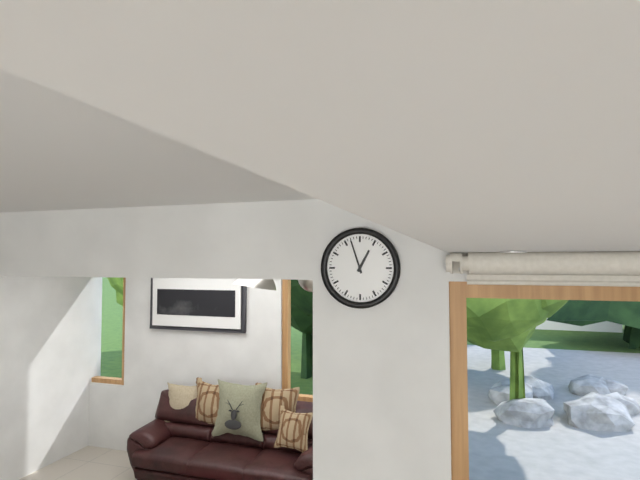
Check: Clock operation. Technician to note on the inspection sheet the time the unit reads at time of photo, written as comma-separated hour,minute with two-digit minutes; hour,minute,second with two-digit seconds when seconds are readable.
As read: 12,57
